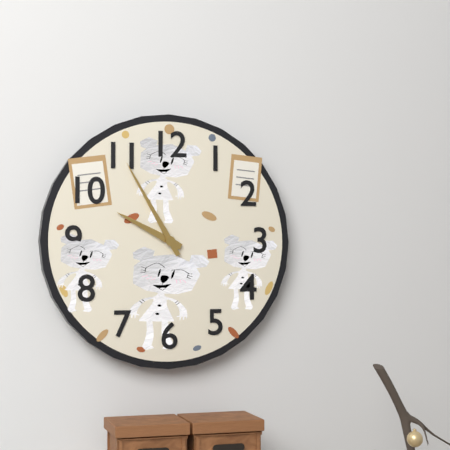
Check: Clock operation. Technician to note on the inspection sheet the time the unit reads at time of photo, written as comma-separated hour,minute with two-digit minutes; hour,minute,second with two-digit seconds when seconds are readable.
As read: 9,55
